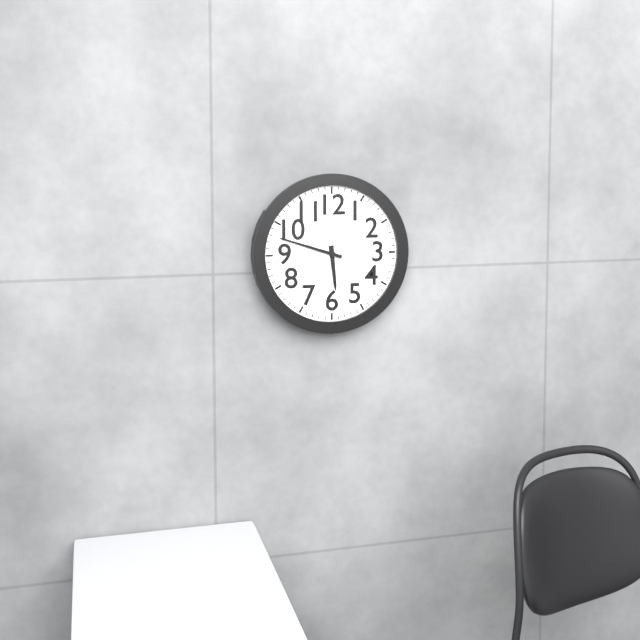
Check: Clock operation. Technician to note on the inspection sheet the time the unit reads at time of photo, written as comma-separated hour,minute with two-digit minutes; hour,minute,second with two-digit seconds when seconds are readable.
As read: 5,48
